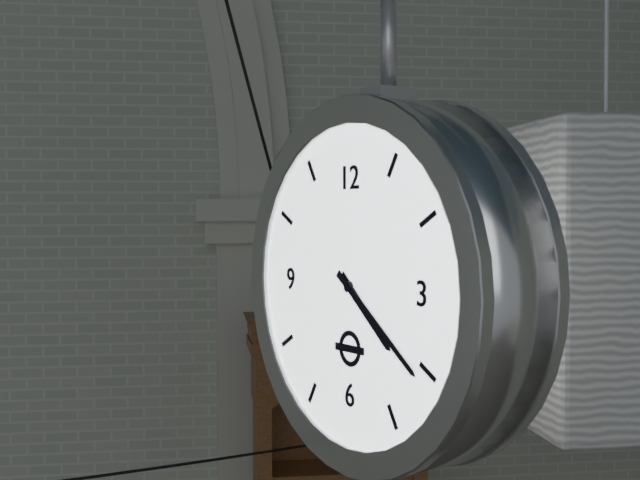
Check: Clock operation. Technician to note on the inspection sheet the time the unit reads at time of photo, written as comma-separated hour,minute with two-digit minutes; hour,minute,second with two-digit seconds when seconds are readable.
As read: 4,21
